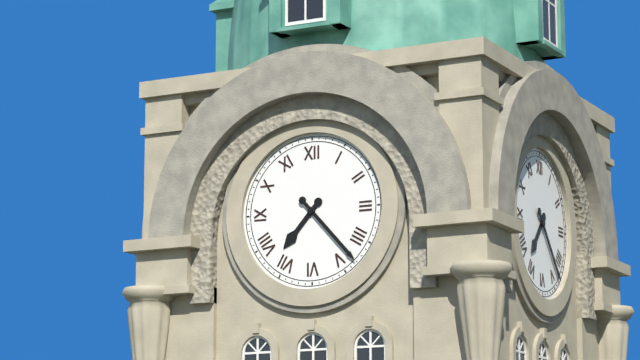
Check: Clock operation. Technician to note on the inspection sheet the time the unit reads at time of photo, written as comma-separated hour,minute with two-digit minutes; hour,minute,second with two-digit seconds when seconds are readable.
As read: 7,23
